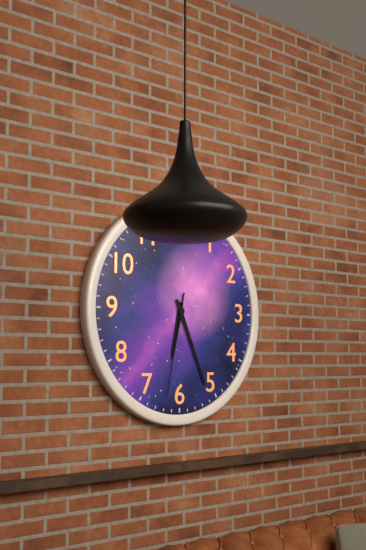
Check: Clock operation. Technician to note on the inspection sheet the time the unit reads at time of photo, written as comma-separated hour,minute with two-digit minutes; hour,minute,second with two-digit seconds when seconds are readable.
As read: 6,26,32
